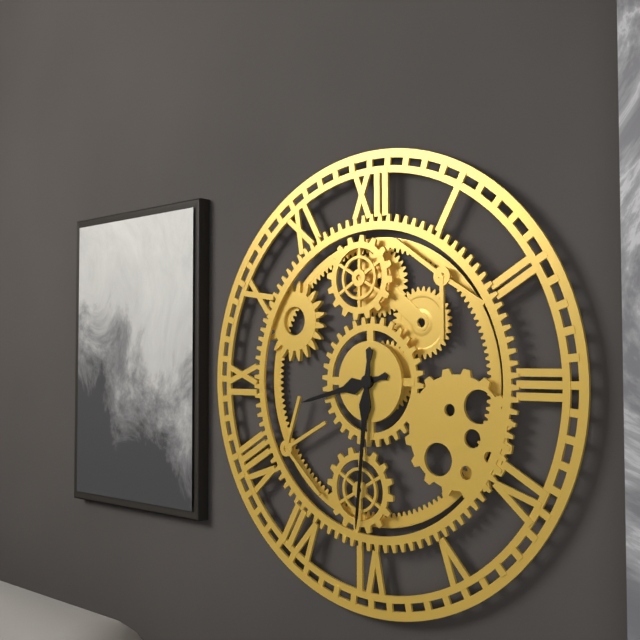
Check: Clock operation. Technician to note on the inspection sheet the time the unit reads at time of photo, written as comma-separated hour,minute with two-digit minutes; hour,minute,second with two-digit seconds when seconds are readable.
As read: 8,31
